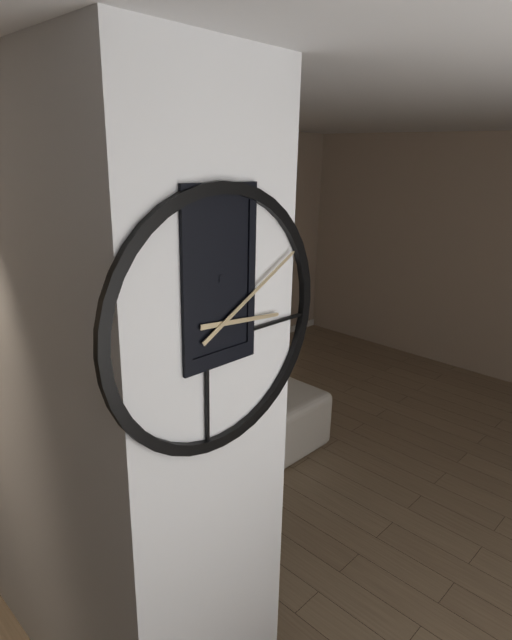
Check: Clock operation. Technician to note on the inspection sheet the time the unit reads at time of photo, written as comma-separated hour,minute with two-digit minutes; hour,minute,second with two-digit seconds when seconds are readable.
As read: 3,10
